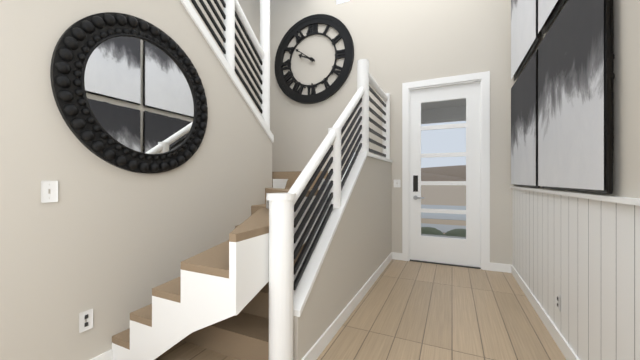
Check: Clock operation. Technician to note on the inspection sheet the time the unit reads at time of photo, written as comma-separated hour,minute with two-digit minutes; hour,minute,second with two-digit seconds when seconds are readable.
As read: 9,51
